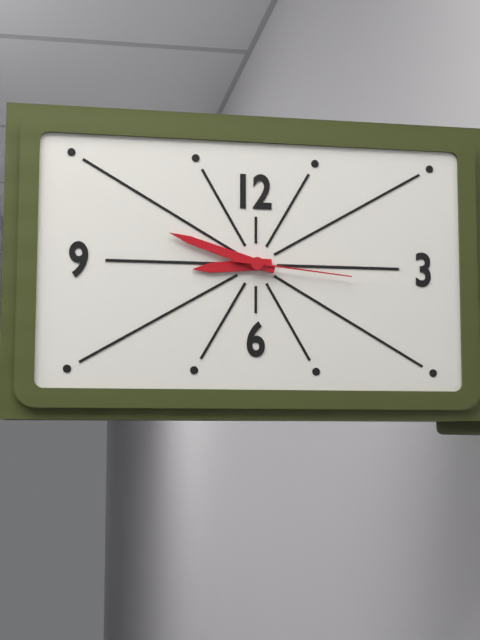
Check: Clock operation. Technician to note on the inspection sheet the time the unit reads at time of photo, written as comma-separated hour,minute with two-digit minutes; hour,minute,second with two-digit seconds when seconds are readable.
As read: 8,48,16
